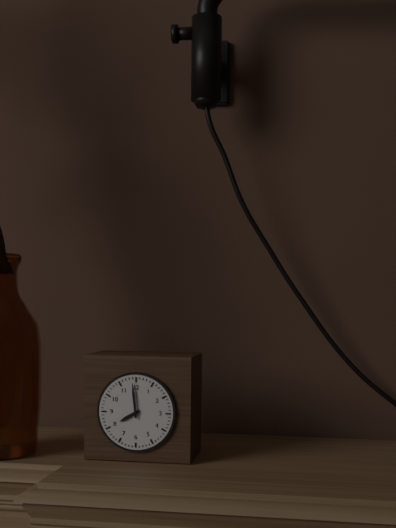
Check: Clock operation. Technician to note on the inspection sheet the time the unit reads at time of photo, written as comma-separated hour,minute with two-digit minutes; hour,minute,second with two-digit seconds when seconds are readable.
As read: 7,59
